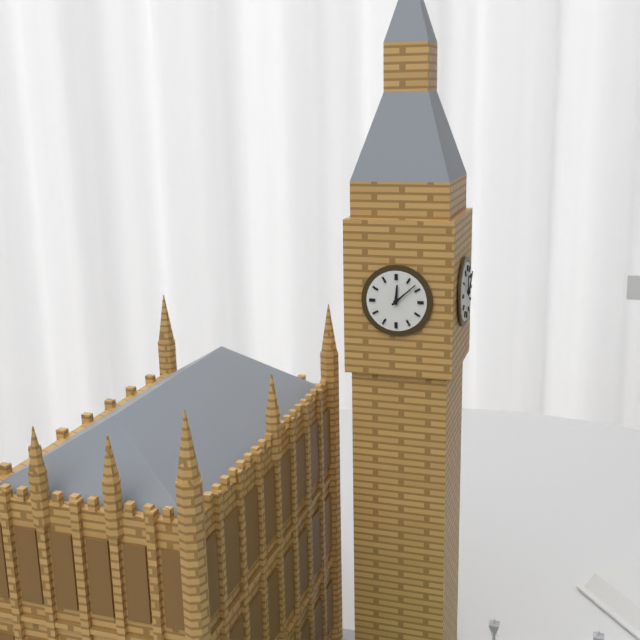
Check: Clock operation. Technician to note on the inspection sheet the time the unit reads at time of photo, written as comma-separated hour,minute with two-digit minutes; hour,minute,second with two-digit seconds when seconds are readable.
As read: 12,08
